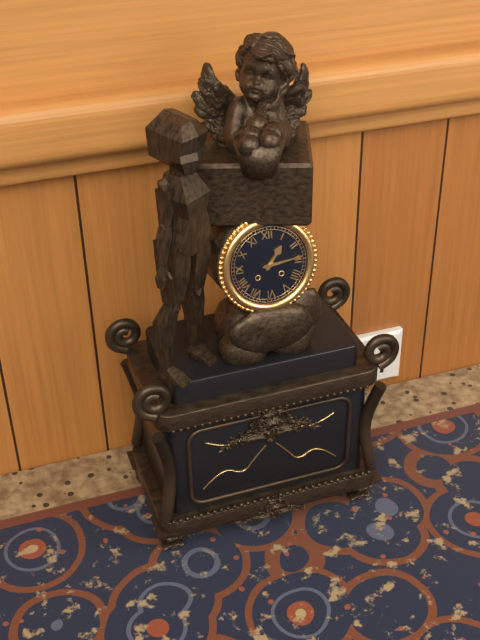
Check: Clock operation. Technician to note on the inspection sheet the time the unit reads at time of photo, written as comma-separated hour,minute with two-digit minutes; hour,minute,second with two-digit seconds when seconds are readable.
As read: 1,14
